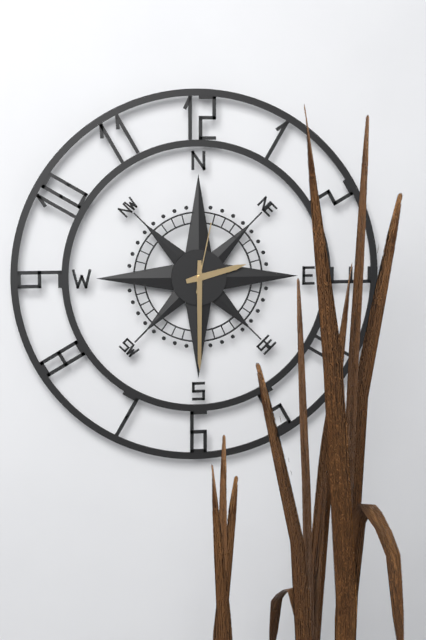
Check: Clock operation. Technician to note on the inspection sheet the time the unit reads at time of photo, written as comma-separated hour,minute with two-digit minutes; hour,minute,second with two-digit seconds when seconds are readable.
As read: 2,30,02
